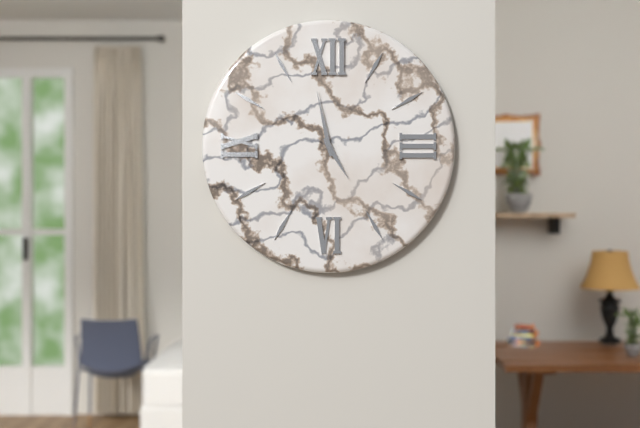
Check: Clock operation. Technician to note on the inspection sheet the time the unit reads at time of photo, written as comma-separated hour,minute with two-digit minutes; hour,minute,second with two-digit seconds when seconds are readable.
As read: 4,58
